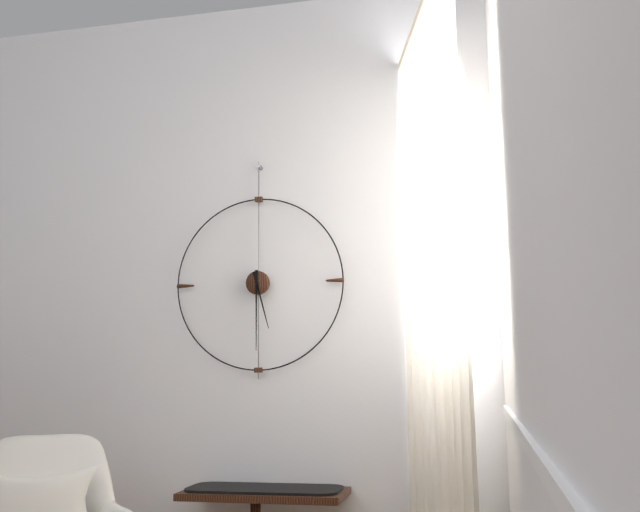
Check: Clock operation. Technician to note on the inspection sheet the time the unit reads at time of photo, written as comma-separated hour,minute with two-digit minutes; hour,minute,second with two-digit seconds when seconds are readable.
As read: 5,30
